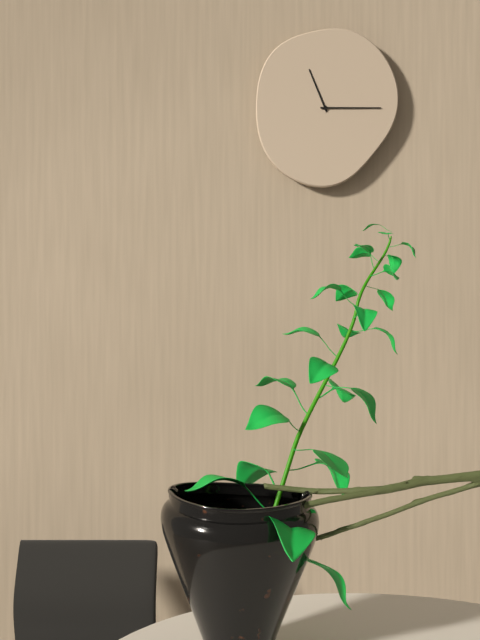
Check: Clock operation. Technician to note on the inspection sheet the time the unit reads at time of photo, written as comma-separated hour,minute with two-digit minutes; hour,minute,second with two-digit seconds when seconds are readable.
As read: 11,15
